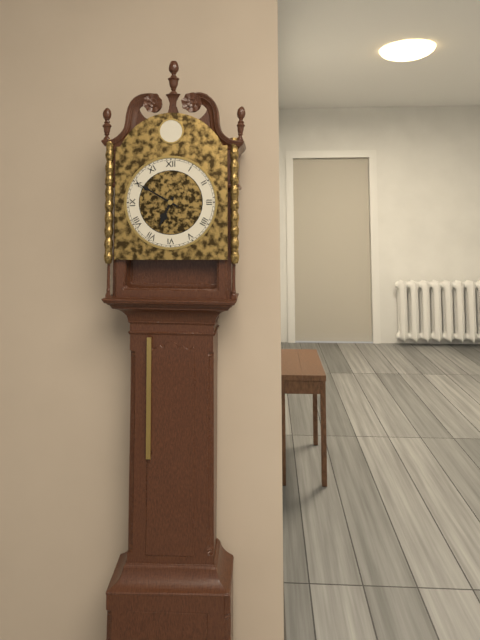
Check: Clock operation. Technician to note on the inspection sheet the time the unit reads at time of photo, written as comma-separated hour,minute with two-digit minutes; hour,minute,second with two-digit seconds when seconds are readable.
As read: 6,50
